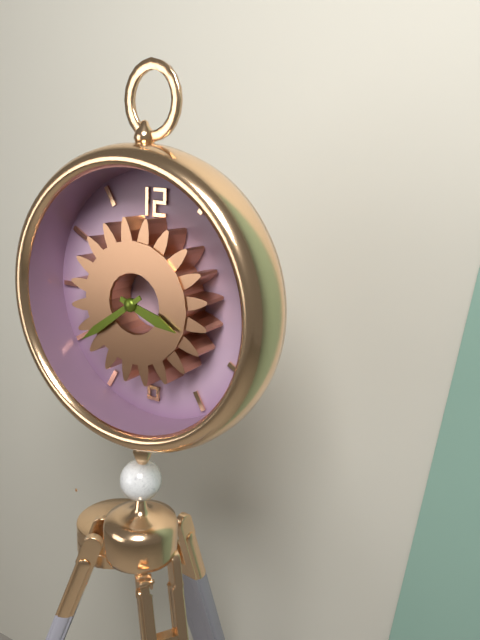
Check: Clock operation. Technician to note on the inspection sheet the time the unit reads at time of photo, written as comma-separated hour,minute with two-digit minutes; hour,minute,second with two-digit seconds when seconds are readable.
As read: 3,39
